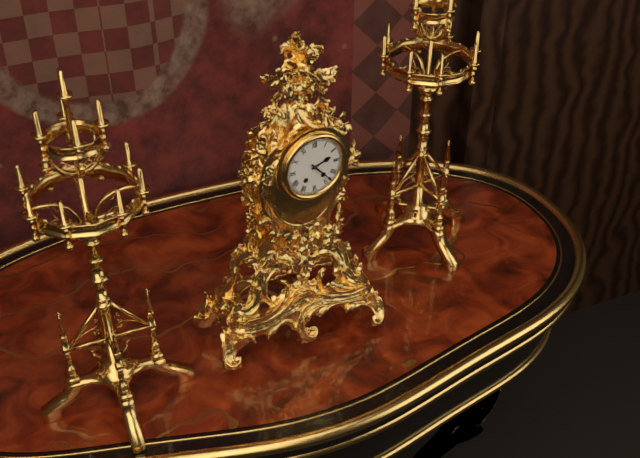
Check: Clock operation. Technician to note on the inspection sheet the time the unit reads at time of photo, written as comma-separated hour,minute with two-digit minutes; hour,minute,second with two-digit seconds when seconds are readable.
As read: 2,23
